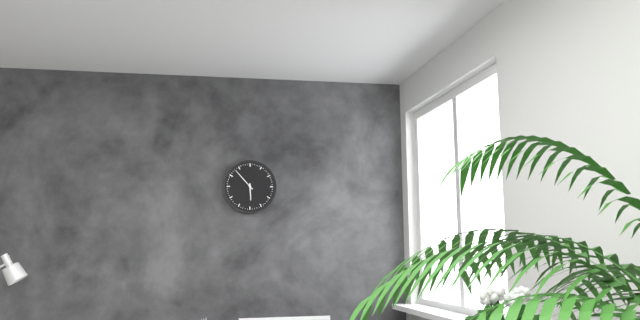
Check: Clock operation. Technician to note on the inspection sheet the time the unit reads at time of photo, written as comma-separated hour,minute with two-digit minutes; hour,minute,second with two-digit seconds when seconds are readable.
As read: 5,53
